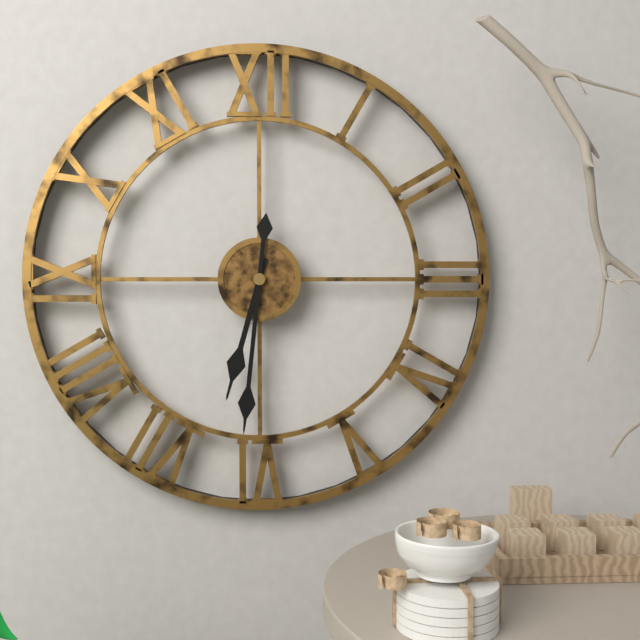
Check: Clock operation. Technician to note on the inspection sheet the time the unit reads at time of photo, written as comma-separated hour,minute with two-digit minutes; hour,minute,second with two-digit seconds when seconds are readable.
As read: 6,31
